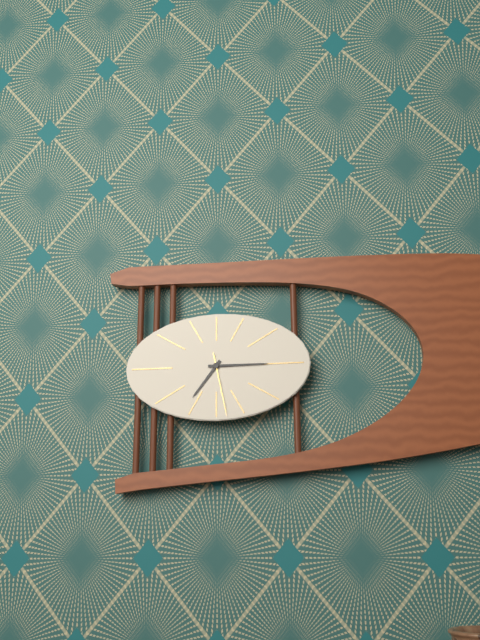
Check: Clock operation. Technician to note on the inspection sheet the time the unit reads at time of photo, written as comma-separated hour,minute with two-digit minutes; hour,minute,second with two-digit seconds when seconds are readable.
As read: 7,15,28
